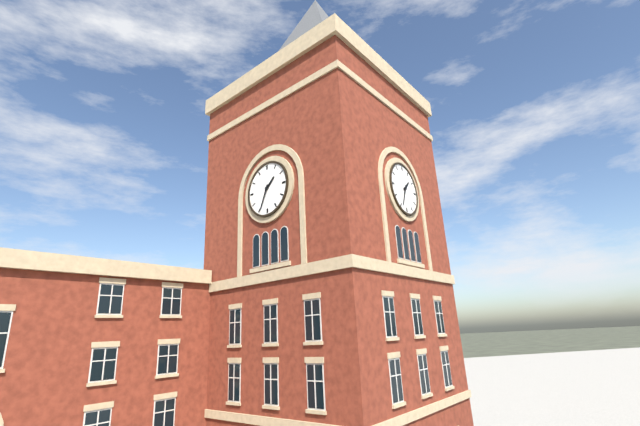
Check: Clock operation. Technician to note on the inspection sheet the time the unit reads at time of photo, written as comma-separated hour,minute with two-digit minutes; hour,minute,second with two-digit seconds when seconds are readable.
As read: 1,34
